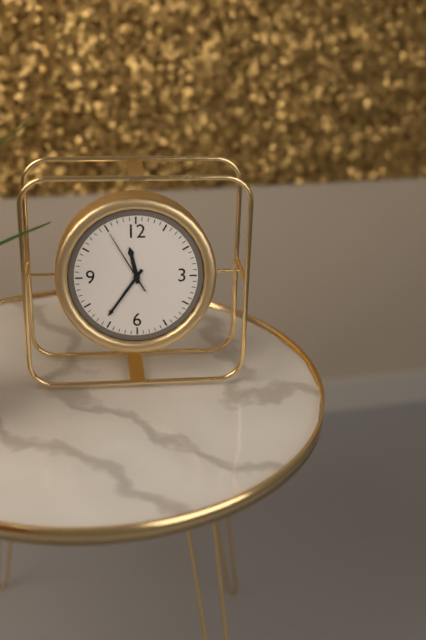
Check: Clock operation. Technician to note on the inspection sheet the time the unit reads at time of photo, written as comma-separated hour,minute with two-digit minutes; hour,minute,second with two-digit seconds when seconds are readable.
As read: 11,36,55
